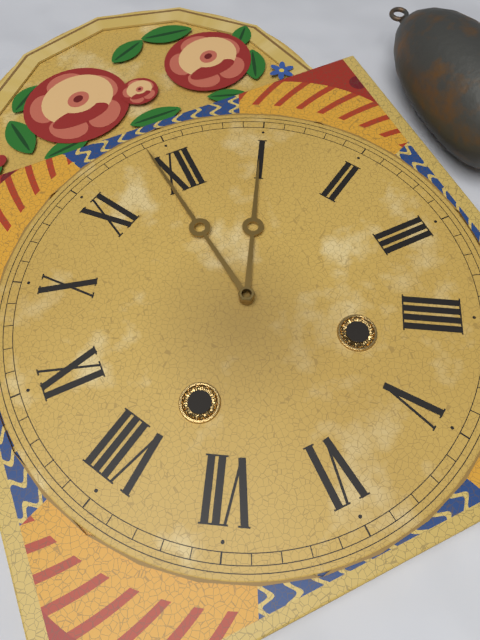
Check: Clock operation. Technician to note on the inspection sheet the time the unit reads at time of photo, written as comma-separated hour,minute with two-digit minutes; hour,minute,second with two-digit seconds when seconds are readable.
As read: 12,59
